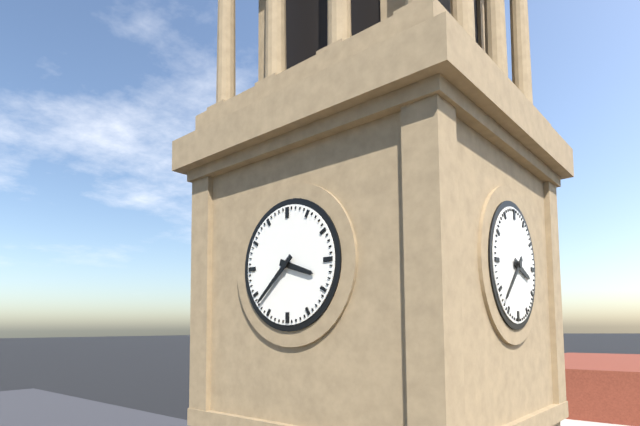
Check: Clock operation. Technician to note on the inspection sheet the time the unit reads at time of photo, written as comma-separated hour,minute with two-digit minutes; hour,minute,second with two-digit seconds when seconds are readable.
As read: 3,38
